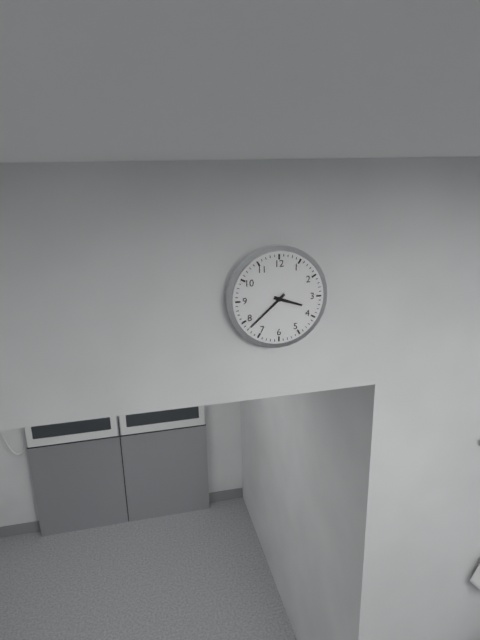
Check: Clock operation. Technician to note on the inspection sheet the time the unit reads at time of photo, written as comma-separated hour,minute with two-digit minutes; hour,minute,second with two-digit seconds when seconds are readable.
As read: 3,38
